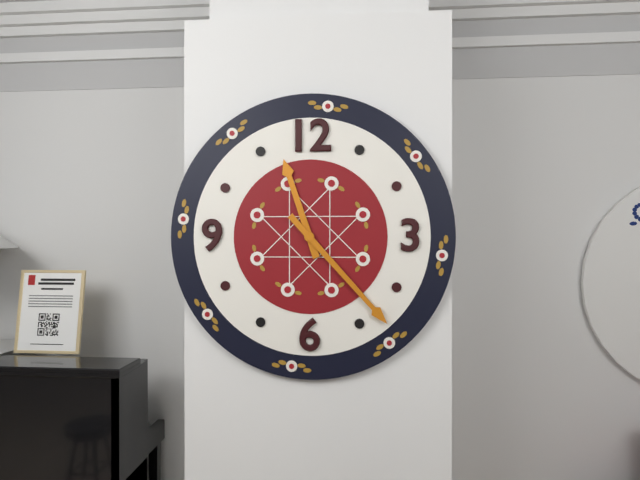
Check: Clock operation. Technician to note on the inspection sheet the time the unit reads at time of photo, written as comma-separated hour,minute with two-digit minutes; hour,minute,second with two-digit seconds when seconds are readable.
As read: 11,23
